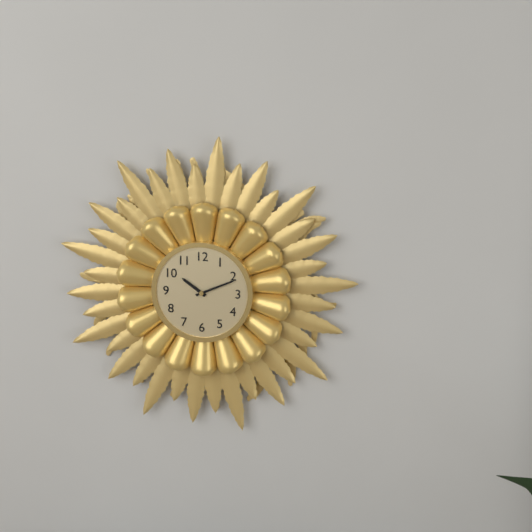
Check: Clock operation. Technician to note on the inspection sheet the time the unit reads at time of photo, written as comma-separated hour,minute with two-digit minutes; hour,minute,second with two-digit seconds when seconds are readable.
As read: 10,11
